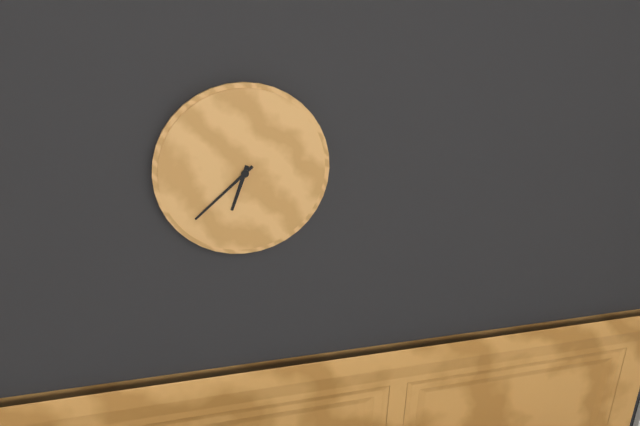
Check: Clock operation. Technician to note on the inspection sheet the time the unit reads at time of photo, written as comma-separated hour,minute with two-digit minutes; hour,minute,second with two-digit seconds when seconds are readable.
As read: 6,38
